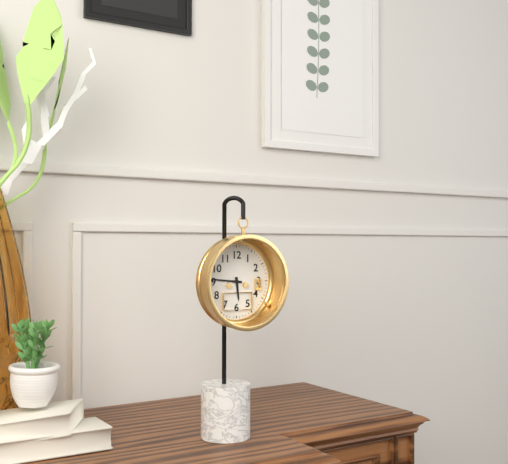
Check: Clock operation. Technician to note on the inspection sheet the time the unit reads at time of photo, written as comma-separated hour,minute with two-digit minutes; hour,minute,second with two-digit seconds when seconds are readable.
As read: 5,46
